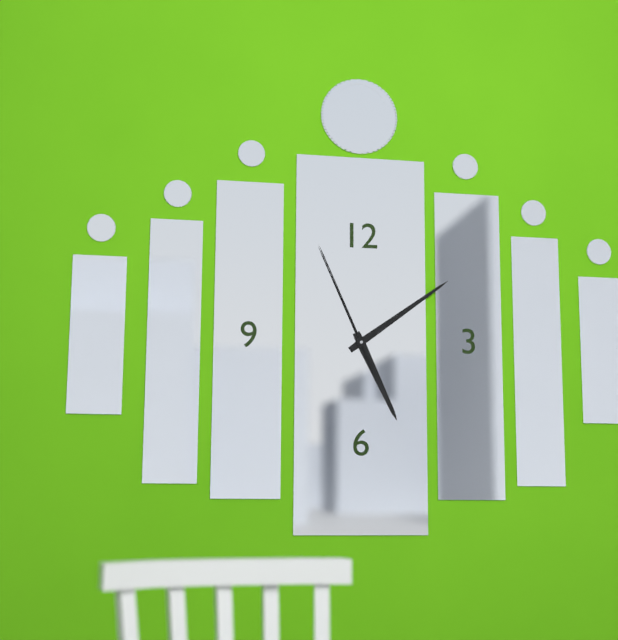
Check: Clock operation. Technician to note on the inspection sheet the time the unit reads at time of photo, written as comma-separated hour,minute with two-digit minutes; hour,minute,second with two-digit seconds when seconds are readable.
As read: 5,09,56
